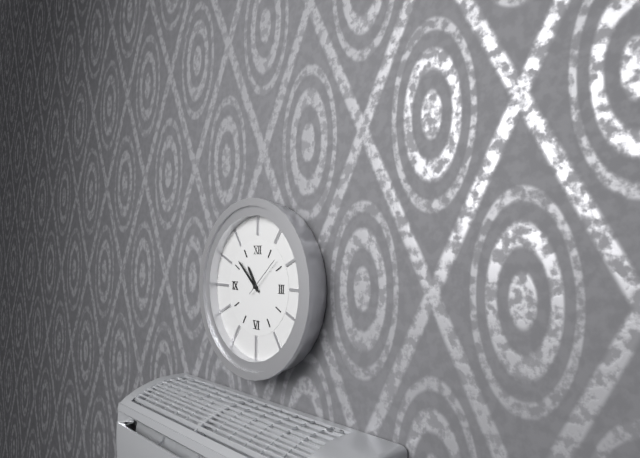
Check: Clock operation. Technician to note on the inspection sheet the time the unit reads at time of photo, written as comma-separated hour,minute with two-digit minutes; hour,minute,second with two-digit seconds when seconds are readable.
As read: 10,52
